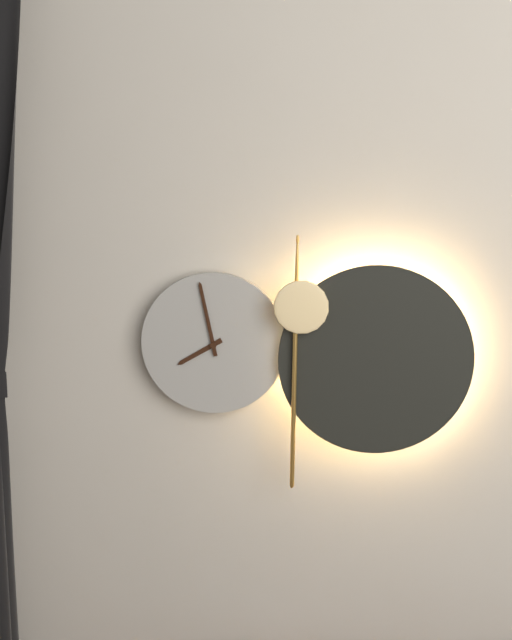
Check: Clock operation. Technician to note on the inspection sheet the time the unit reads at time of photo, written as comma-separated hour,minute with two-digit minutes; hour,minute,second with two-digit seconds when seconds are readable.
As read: 7,58
